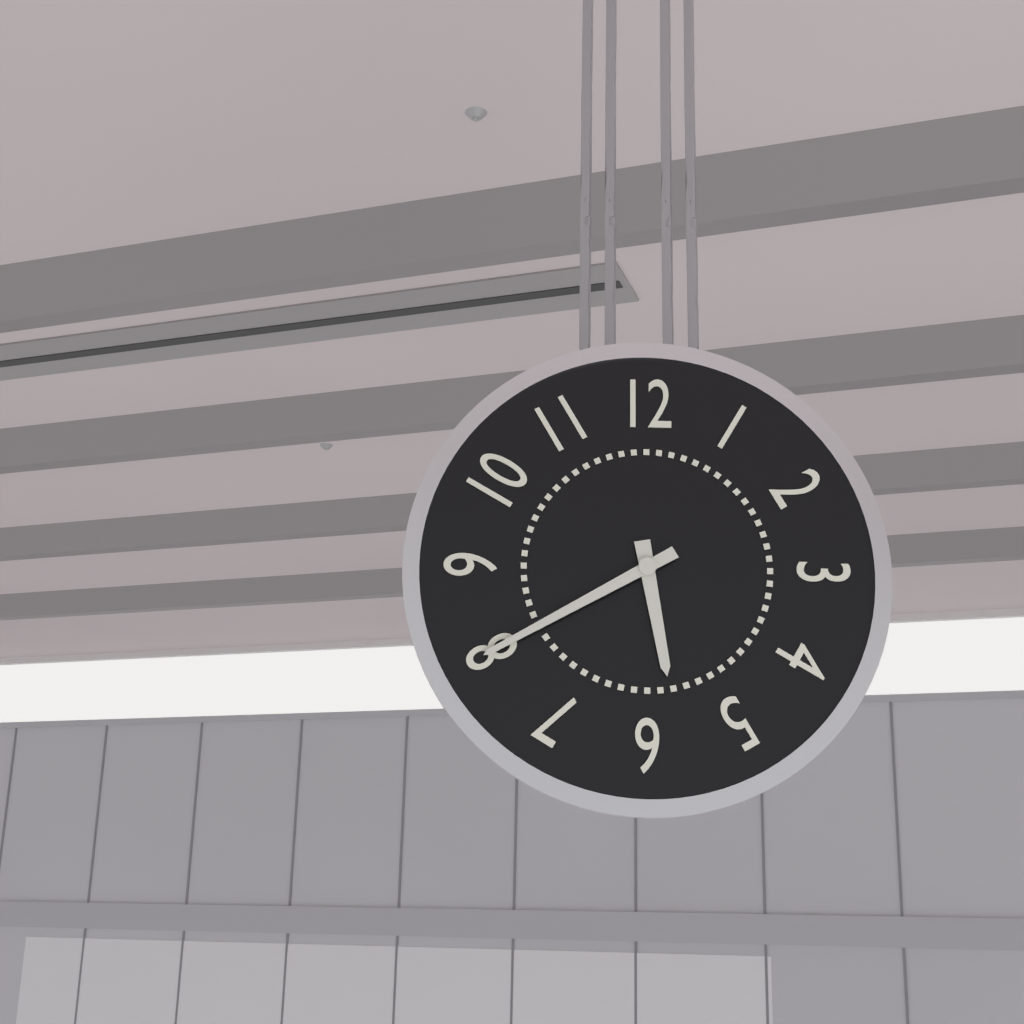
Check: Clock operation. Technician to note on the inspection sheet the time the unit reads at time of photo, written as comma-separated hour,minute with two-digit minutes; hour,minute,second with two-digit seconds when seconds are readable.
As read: 5,40
